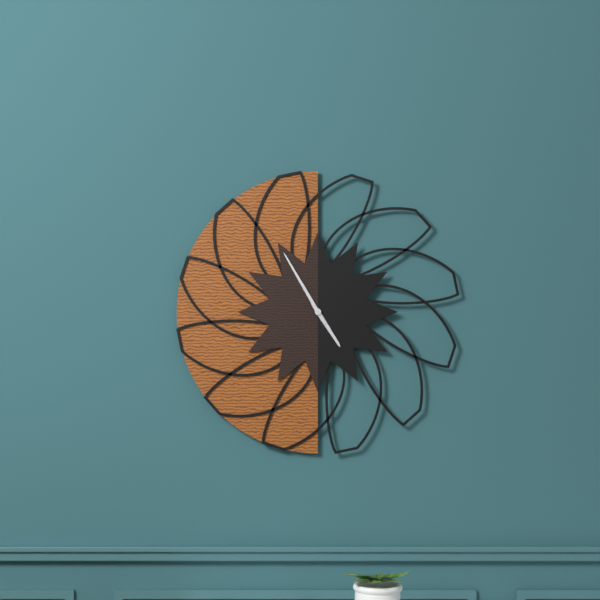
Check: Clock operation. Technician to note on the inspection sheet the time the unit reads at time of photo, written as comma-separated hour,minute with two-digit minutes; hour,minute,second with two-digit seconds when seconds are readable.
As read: 4,55
